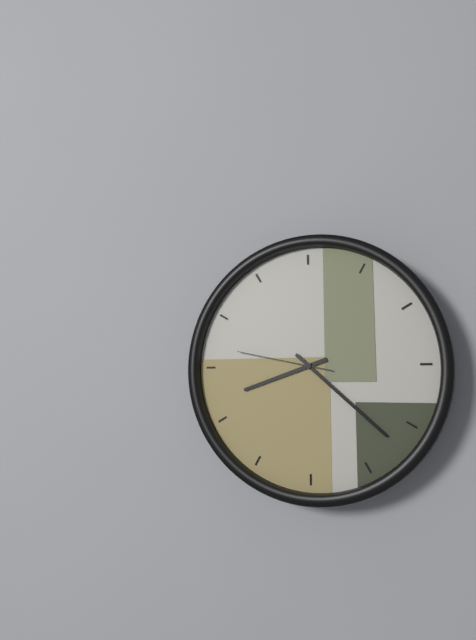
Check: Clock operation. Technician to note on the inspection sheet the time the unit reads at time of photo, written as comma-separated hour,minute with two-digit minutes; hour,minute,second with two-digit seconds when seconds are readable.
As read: 8,22,47
